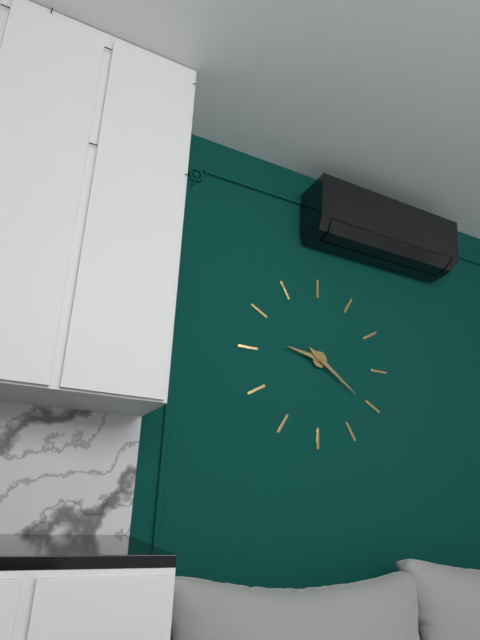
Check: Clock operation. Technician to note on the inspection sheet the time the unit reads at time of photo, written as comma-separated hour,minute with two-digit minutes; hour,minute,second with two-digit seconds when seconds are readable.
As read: 9,21
